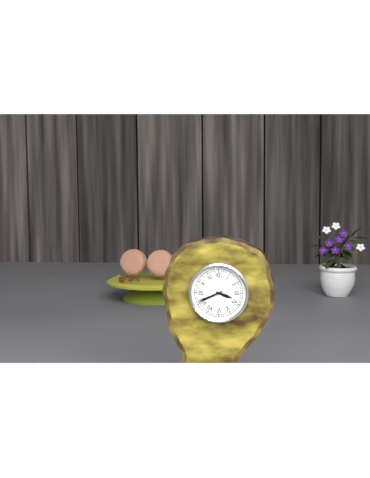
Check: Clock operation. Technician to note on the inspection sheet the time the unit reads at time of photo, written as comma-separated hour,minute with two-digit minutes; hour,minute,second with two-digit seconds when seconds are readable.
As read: 3,41
